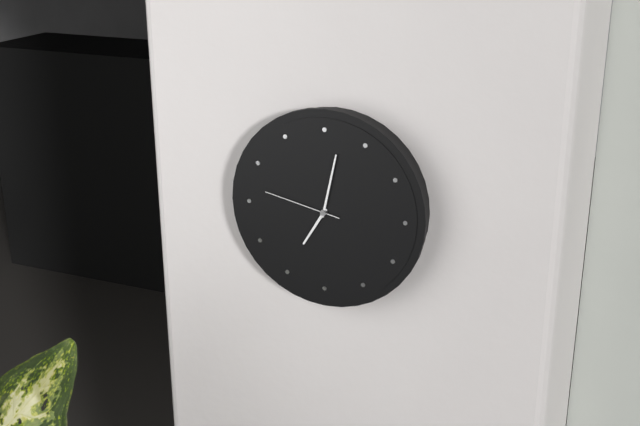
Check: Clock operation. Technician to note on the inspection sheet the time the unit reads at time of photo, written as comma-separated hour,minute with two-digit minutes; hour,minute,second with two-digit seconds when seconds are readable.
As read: 7,02,47
